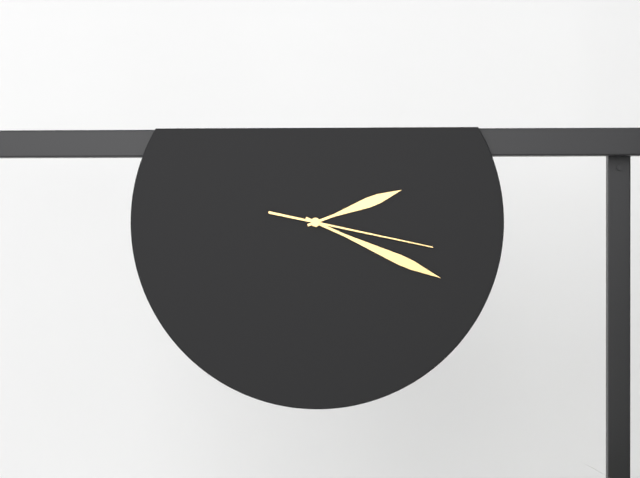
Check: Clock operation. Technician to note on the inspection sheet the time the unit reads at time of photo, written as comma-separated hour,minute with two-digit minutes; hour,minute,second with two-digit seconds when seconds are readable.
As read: 2,19,17
